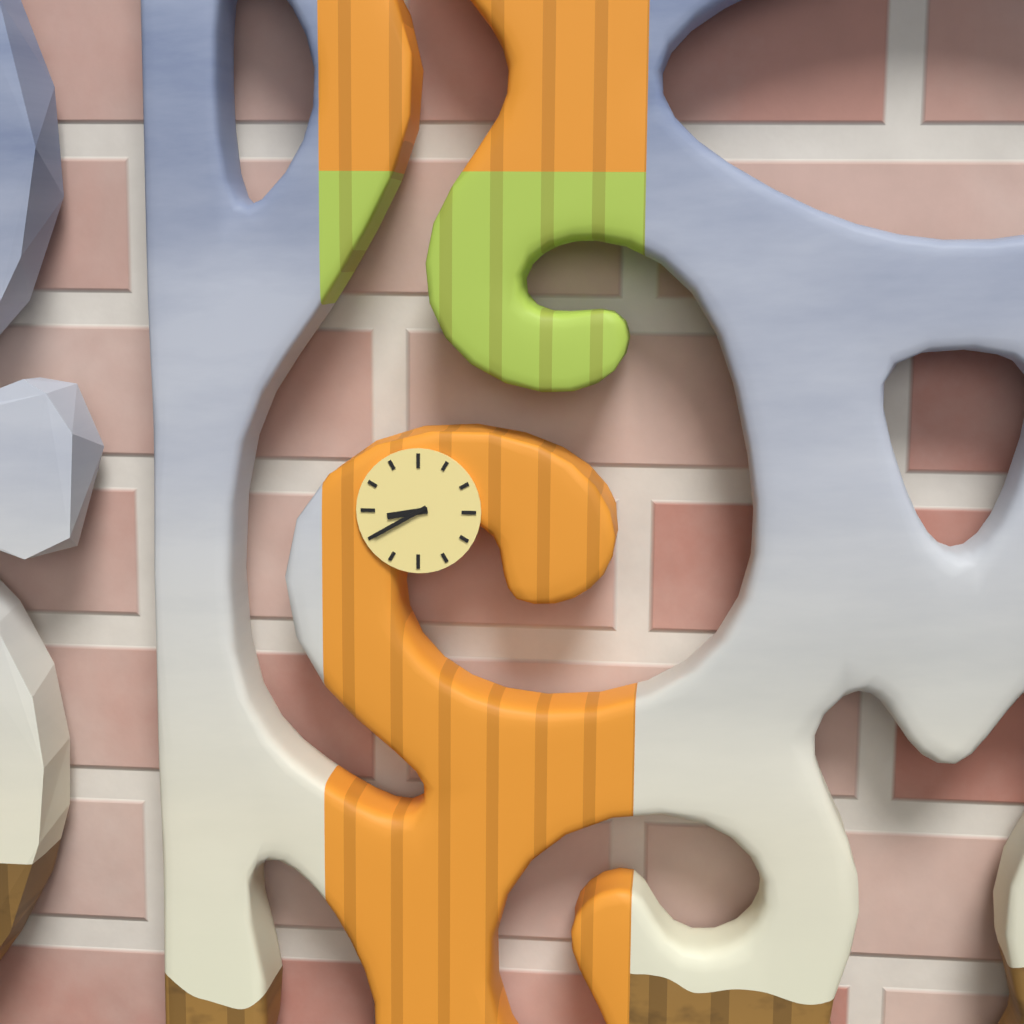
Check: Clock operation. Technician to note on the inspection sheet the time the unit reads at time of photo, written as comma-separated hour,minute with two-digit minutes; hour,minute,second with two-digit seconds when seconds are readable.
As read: 8,40
